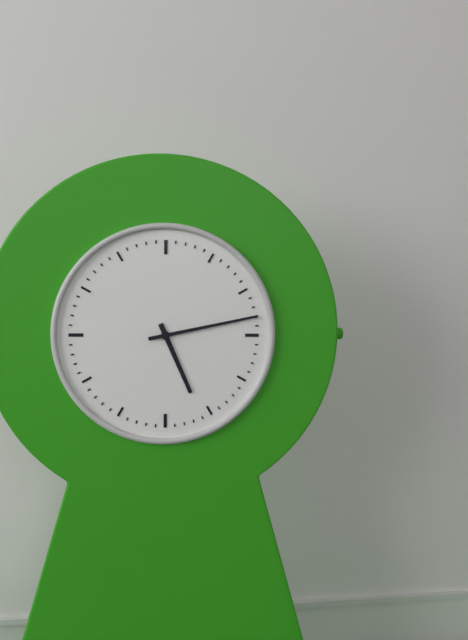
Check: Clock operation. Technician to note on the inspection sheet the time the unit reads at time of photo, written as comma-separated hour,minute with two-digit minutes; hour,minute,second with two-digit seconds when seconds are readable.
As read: 5,13
